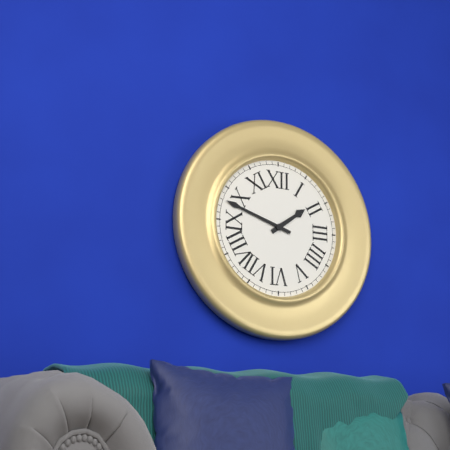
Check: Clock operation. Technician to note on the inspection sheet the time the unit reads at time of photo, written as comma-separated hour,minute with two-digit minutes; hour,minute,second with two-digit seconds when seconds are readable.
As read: 1,48
